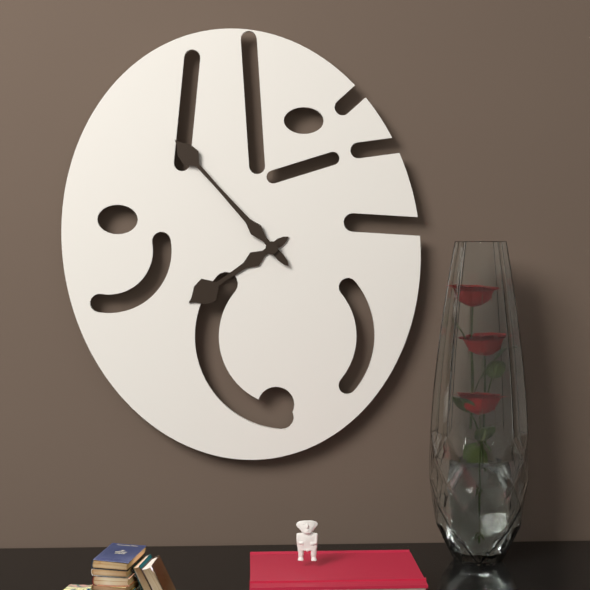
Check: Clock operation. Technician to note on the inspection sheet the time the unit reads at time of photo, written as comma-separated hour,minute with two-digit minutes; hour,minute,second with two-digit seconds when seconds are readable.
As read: 7,53
